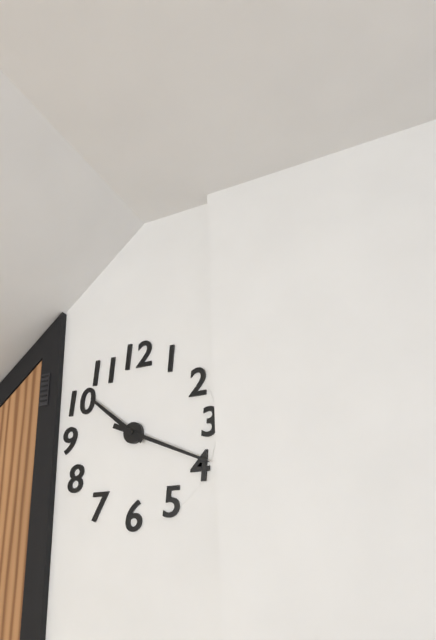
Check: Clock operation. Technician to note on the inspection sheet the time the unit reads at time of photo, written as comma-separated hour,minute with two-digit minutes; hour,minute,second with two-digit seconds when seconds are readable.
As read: 10,19
